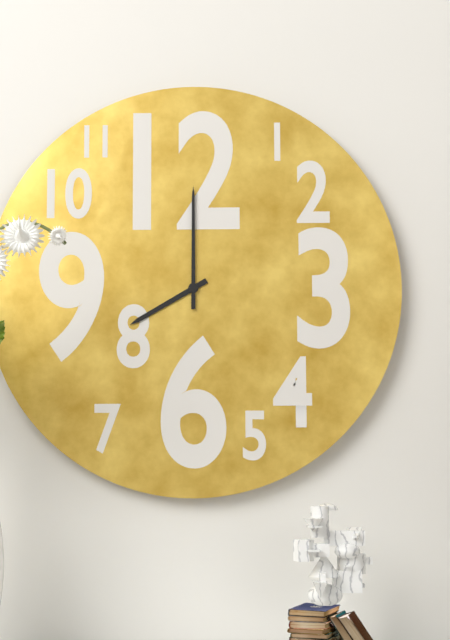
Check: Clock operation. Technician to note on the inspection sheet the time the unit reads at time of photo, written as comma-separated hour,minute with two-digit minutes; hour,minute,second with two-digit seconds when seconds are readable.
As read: 8,00
